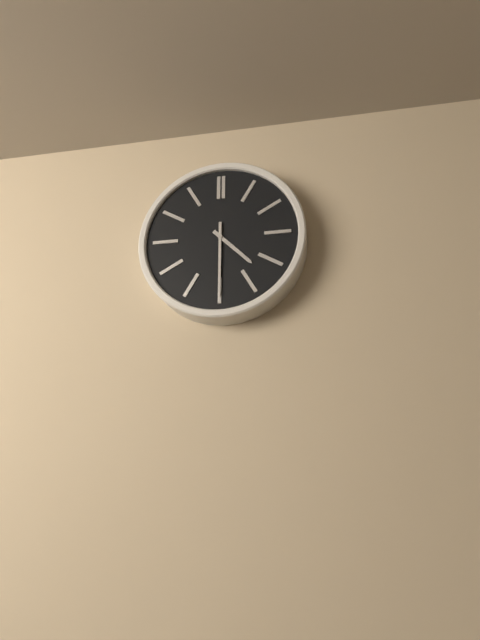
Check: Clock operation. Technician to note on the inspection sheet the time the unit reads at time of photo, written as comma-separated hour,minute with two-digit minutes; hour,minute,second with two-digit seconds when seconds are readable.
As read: 4,30
